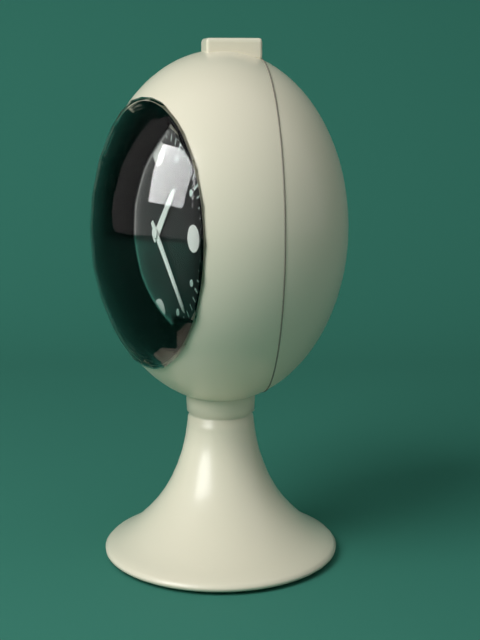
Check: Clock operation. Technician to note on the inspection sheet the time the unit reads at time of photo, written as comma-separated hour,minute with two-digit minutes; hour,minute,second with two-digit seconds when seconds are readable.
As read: 1,23
